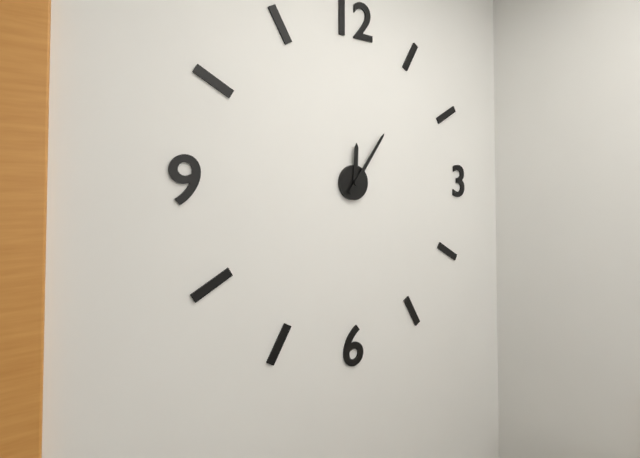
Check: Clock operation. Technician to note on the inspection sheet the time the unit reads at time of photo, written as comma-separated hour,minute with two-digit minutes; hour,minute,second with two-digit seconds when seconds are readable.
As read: 12,06
